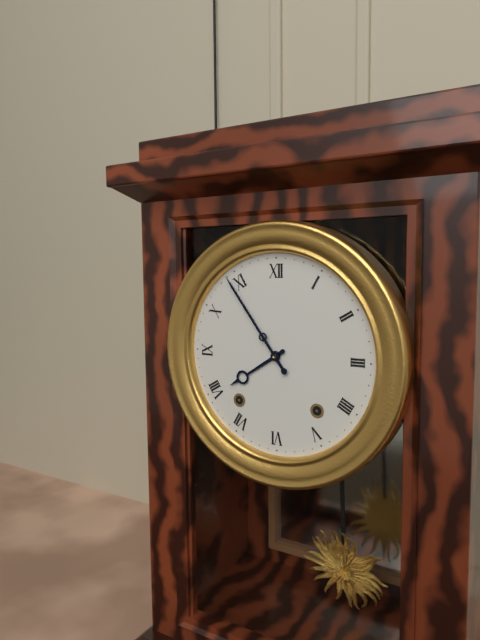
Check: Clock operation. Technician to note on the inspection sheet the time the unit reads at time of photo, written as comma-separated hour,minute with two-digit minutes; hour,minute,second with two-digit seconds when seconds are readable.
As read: 7,54
